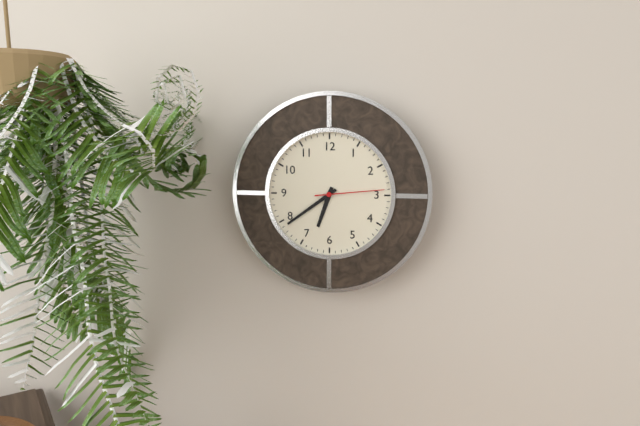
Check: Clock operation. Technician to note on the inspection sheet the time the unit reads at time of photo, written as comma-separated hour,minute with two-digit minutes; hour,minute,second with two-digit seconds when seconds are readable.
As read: 6,39,14
